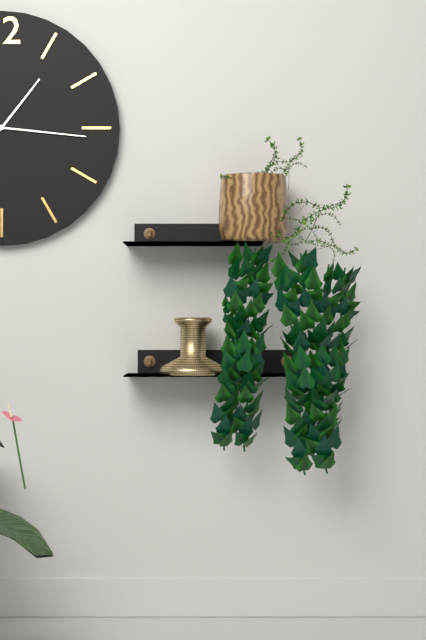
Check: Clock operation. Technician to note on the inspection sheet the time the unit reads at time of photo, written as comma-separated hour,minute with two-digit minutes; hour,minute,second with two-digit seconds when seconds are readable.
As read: 1,16
